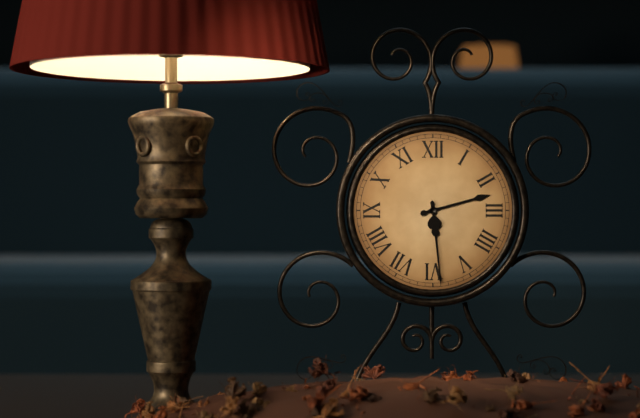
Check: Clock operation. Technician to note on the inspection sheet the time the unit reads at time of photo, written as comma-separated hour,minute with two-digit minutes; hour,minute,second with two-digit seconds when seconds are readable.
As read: 2,29
